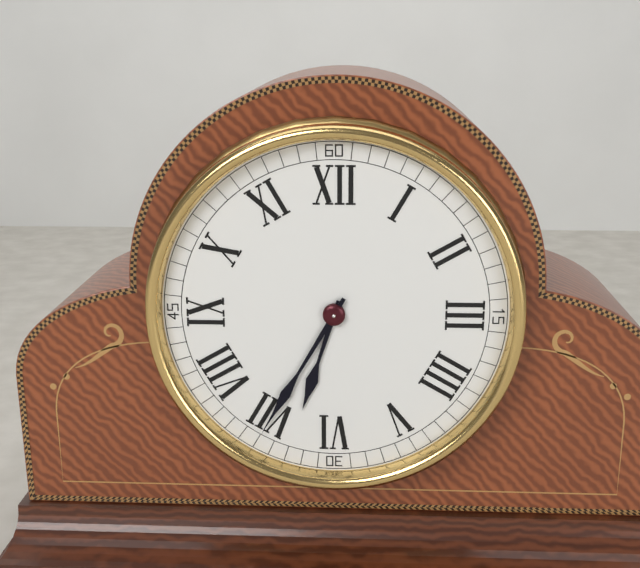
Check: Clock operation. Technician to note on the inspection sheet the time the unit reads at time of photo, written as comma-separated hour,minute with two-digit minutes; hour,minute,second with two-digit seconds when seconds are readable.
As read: 6,35
